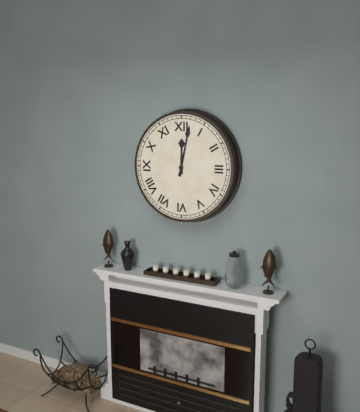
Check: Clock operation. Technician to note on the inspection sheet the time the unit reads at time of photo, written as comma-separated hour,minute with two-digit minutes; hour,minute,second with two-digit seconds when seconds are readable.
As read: 12,02
